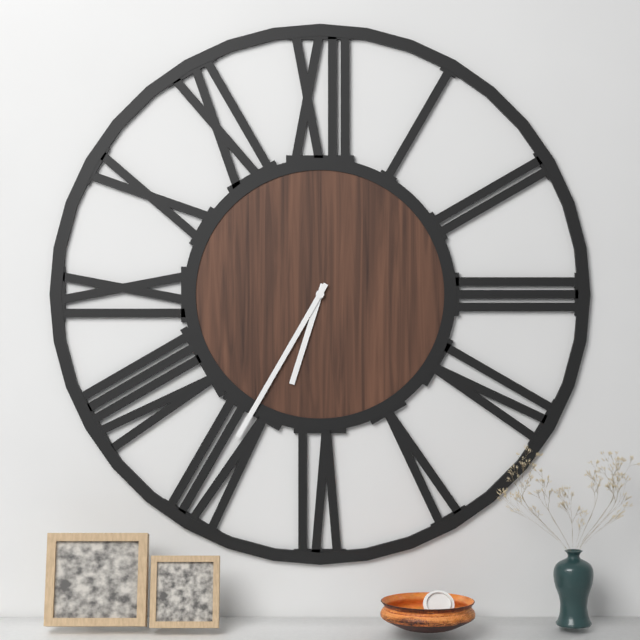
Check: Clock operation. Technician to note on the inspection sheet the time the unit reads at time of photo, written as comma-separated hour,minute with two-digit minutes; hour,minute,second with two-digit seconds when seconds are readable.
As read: 6,35
